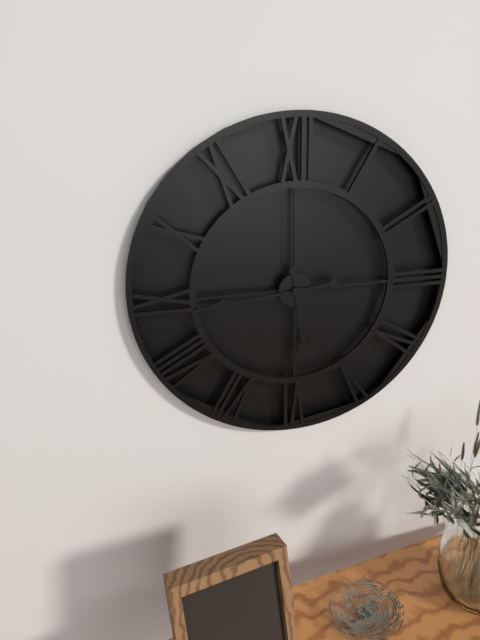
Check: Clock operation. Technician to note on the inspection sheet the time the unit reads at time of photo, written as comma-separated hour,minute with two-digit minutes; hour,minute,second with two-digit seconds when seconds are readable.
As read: 5,44
